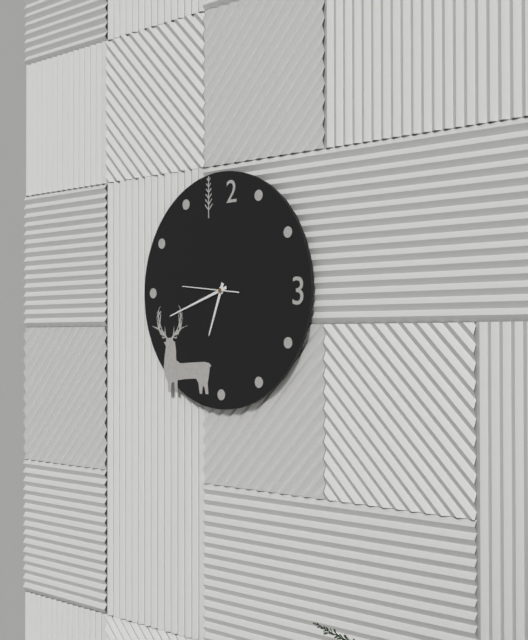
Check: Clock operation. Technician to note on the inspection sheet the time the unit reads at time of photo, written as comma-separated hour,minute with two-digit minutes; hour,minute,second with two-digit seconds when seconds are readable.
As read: 6,42,46
